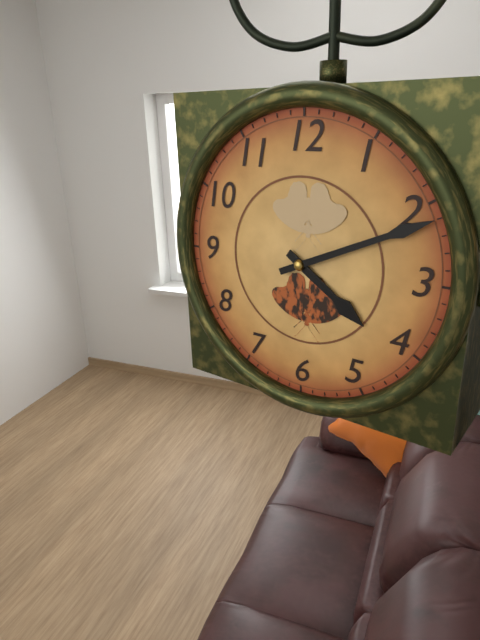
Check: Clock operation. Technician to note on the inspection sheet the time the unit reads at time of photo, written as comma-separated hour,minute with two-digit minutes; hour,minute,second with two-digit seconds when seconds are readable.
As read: 4,11
